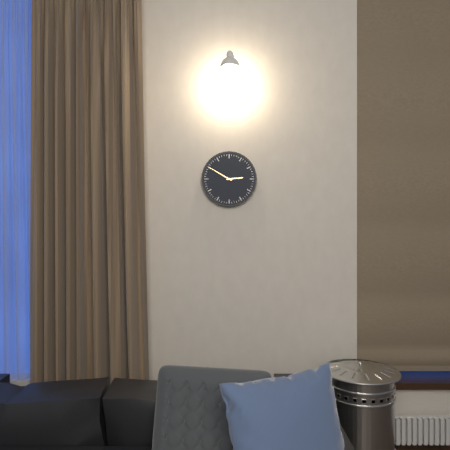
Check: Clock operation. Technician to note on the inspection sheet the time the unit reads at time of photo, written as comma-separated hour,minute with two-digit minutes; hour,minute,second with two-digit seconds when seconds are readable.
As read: 2,50
